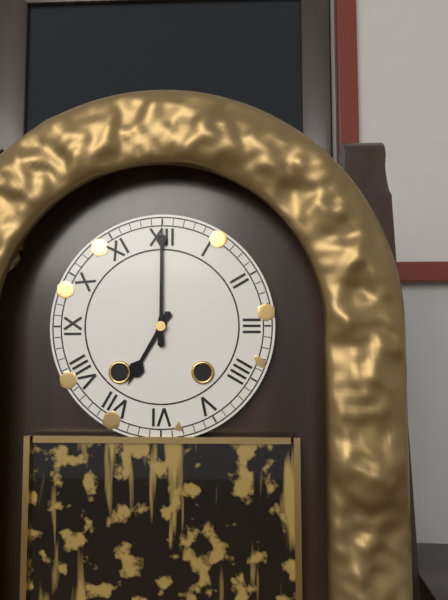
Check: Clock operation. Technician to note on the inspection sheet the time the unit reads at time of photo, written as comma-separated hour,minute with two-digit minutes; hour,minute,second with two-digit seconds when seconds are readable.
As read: 7,00
